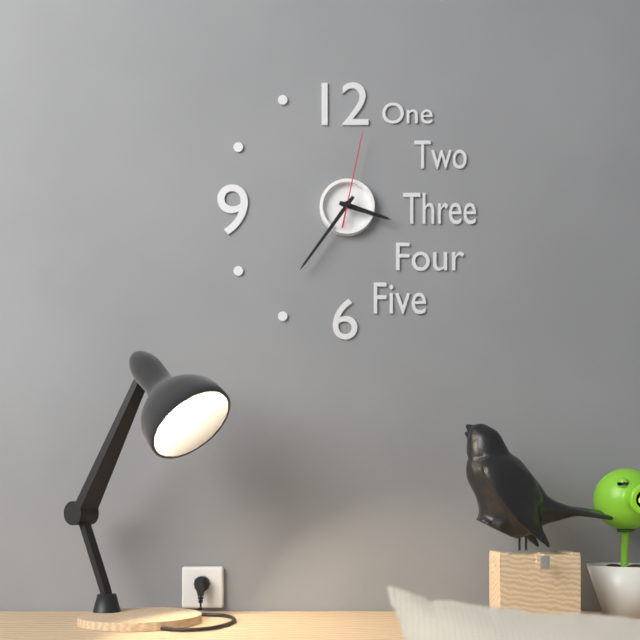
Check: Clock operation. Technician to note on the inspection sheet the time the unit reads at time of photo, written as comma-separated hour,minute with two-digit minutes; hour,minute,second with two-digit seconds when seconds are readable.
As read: 3,36,02
